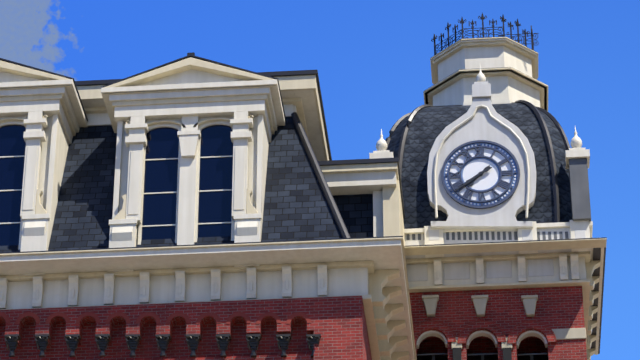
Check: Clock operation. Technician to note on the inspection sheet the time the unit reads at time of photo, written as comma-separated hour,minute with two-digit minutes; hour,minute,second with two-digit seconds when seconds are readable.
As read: 7,39
